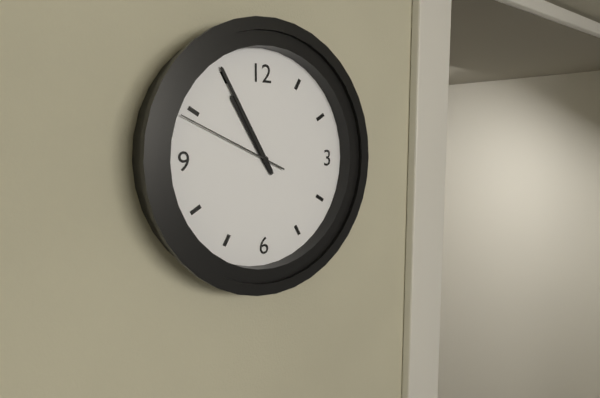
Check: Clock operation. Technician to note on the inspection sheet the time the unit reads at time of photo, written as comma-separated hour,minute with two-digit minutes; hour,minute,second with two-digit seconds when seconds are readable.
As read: 10,55,49
